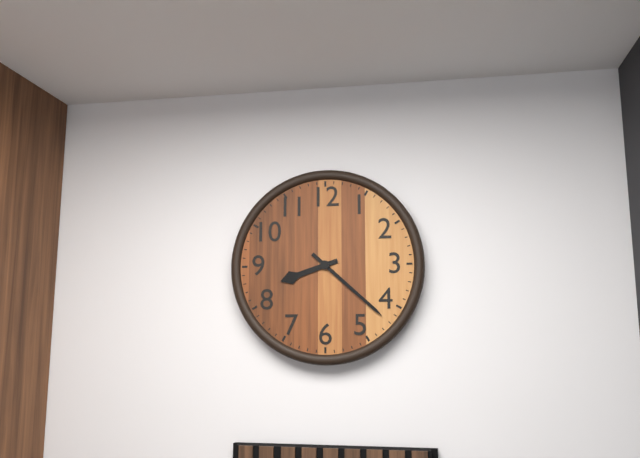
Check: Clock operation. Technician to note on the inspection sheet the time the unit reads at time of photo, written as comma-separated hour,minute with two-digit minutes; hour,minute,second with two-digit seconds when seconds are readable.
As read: 8,22
